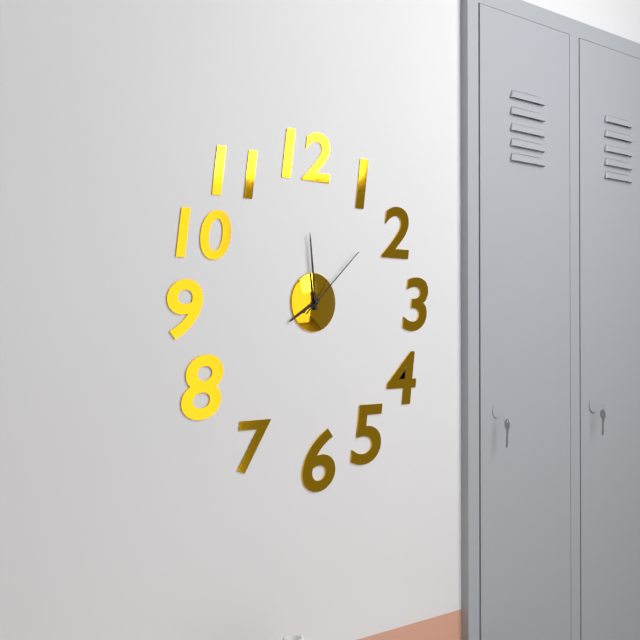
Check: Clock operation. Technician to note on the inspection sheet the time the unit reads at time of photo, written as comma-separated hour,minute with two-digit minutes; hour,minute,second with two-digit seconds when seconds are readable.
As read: 7,59,08
